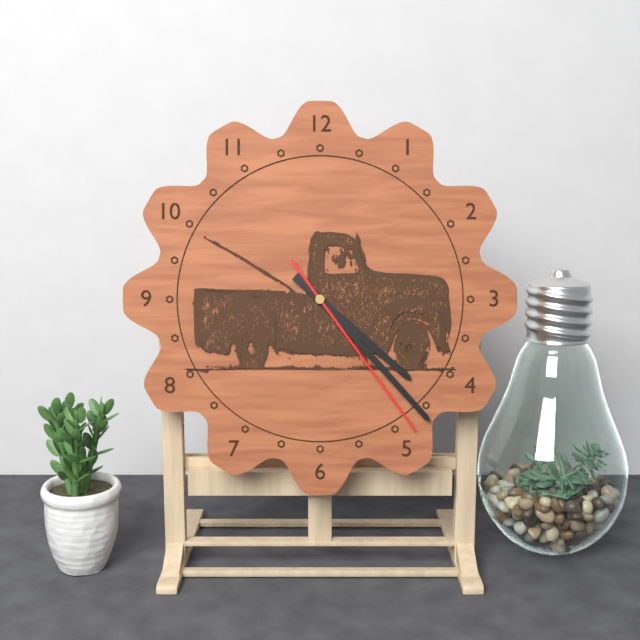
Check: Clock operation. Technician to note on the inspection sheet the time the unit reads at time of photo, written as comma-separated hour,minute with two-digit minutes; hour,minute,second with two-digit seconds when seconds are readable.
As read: 4,23,24
